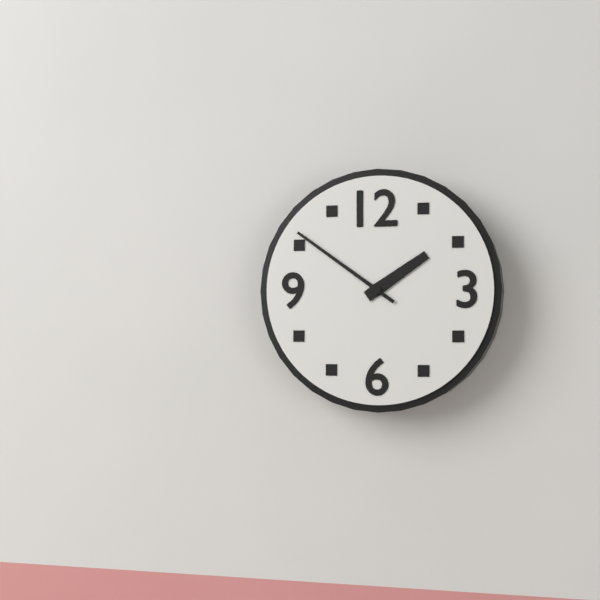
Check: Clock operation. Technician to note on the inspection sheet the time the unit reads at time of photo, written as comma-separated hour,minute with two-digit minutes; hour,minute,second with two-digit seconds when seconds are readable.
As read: 1,51
